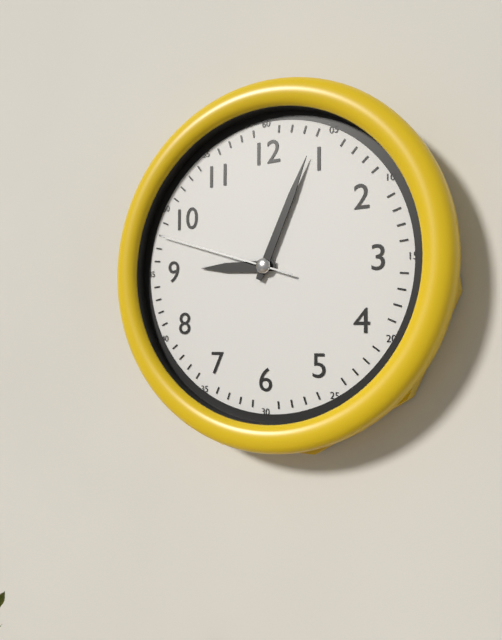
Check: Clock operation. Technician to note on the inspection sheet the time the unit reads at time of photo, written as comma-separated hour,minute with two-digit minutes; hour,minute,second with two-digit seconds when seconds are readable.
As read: 9,04,48
